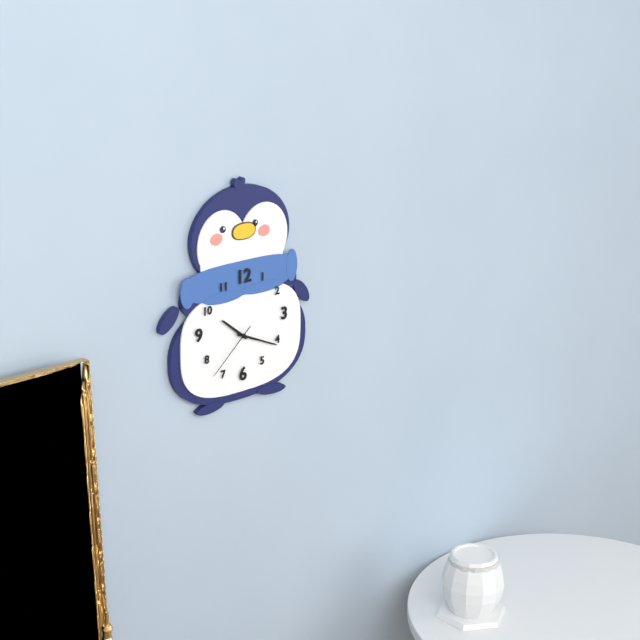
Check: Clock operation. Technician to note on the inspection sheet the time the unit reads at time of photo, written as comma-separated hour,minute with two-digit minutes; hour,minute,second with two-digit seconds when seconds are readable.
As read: 10,19,38
